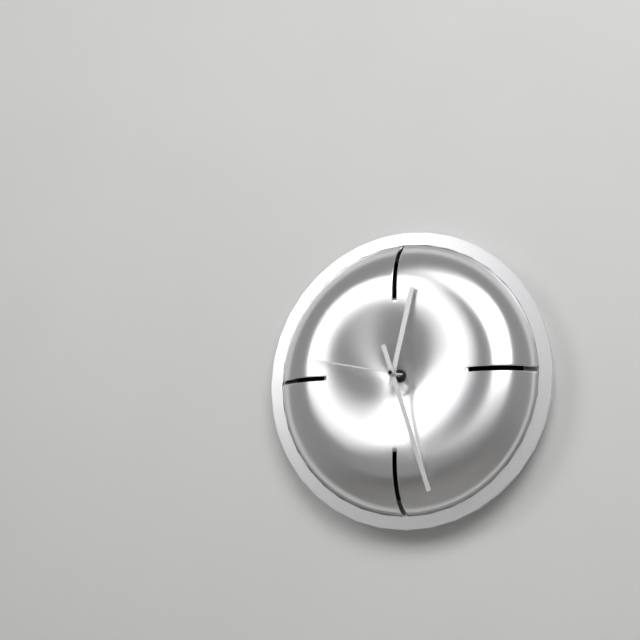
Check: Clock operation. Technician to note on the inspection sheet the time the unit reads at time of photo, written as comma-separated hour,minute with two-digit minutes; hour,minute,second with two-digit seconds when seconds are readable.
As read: 12,27,47
